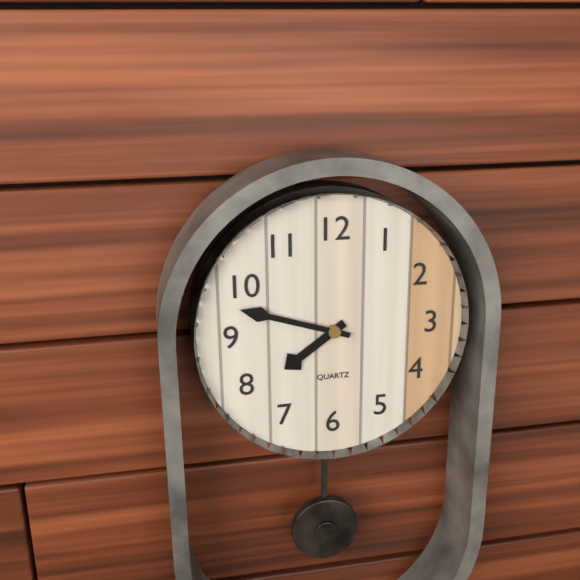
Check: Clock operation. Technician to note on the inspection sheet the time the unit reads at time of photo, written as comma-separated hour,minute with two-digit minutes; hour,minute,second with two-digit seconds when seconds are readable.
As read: 7,48
